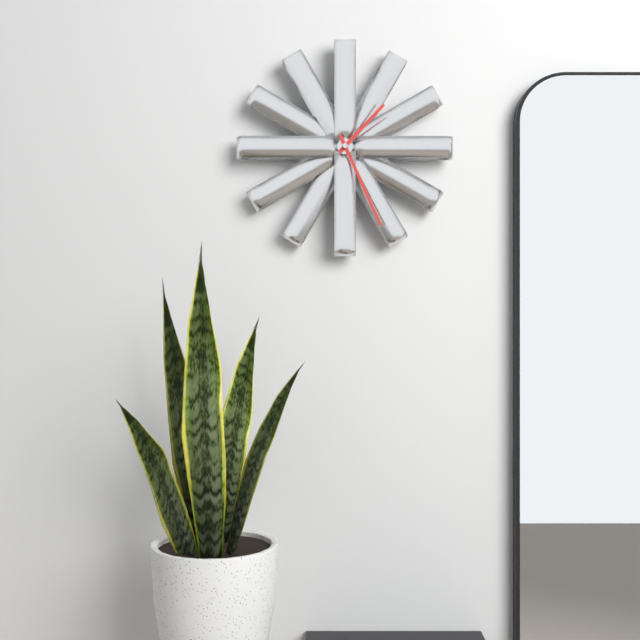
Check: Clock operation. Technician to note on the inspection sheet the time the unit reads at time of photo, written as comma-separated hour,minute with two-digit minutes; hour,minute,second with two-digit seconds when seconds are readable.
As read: 1,26
